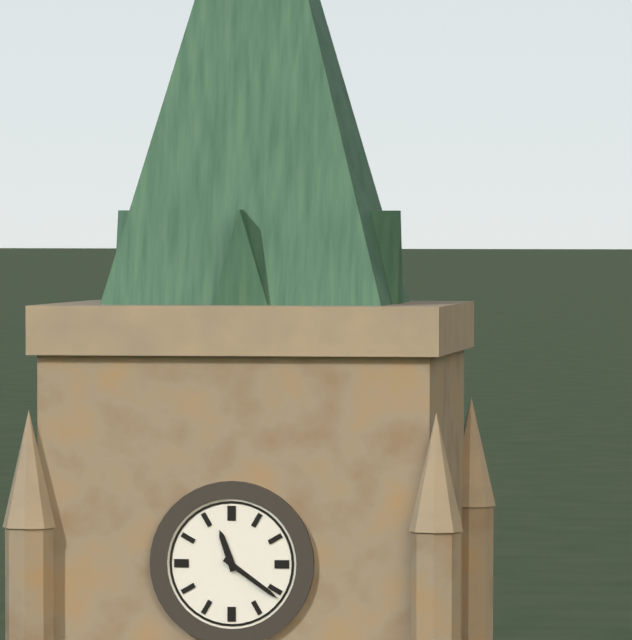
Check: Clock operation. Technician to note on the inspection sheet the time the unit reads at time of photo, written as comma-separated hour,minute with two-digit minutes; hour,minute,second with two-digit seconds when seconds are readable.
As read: 11,21
